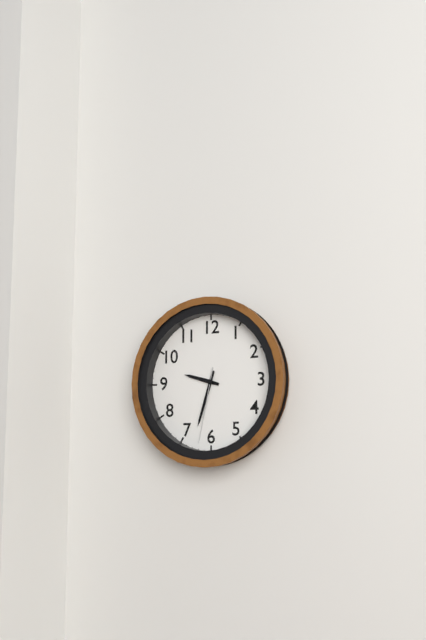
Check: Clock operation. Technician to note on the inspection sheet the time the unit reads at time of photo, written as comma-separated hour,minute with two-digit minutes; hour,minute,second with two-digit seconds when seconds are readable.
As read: 9,33,32
